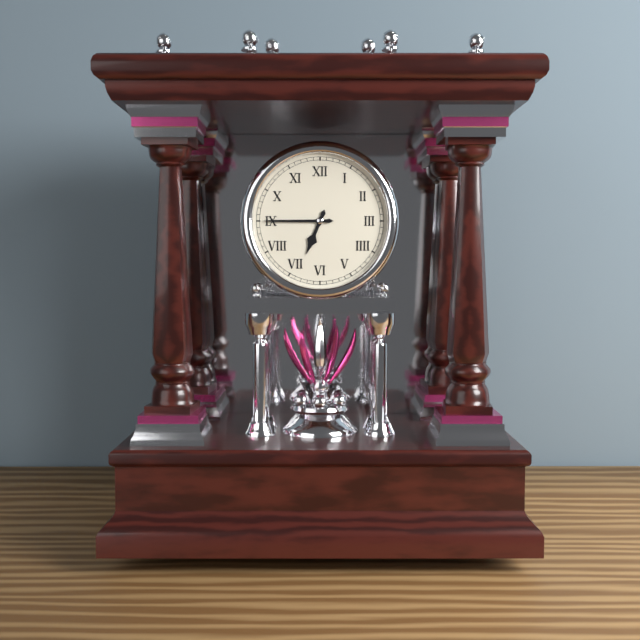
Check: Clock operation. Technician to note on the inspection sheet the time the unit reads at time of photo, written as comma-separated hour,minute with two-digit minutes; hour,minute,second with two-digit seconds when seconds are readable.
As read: 6,45
